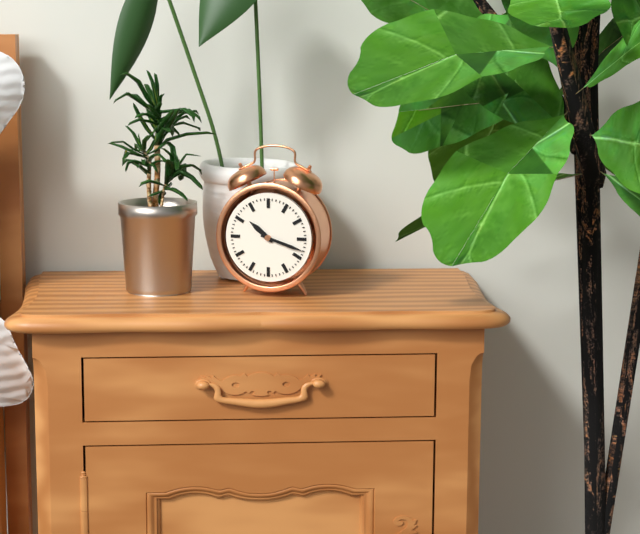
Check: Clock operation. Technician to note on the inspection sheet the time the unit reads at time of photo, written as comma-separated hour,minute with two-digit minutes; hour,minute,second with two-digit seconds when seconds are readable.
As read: 10,18
